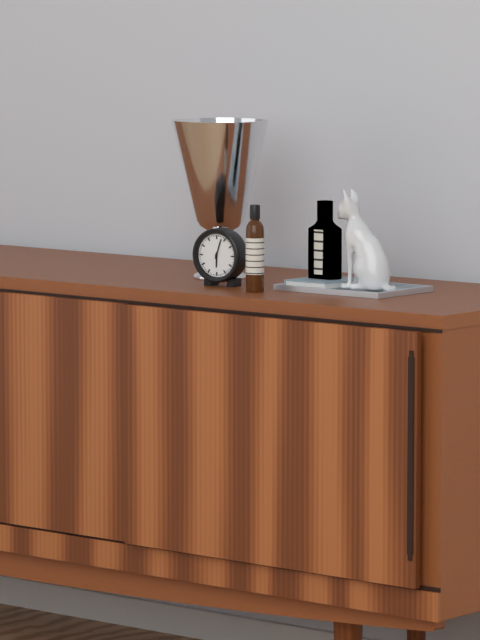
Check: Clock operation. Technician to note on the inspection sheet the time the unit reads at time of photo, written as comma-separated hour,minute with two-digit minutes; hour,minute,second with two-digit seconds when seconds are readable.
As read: 6,03
